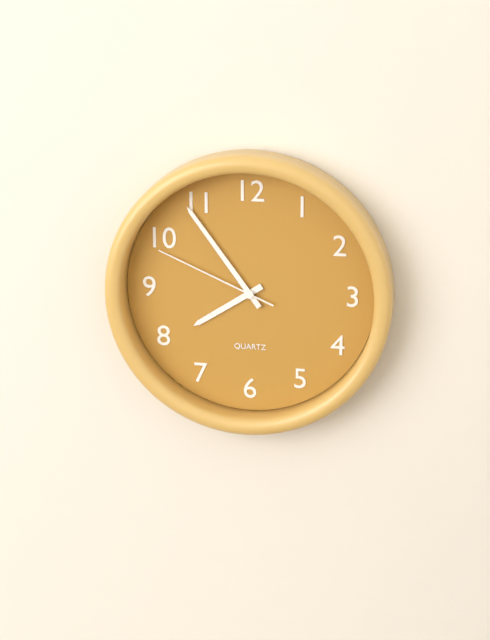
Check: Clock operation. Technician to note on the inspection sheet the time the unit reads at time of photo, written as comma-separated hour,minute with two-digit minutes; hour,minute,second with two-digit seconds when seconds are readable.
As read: 7,54,49
